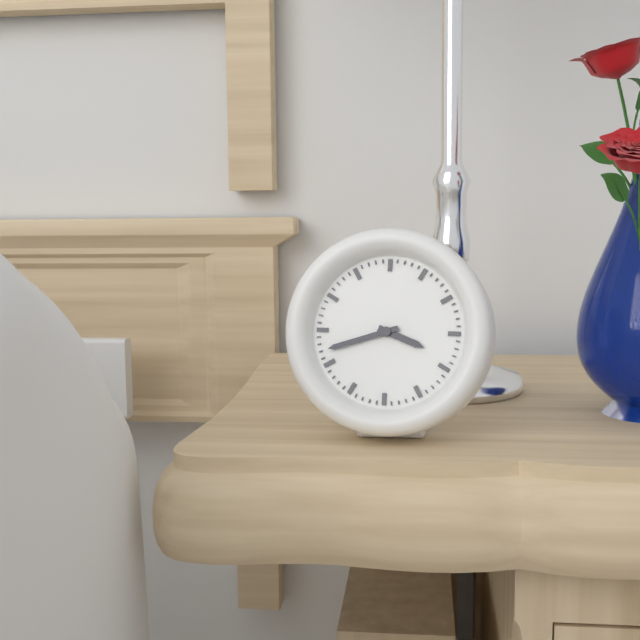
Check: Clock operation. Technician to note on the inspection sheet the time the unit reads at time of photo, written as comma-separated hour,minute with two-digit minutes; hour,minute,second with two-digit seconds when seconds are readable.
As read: 3,42
